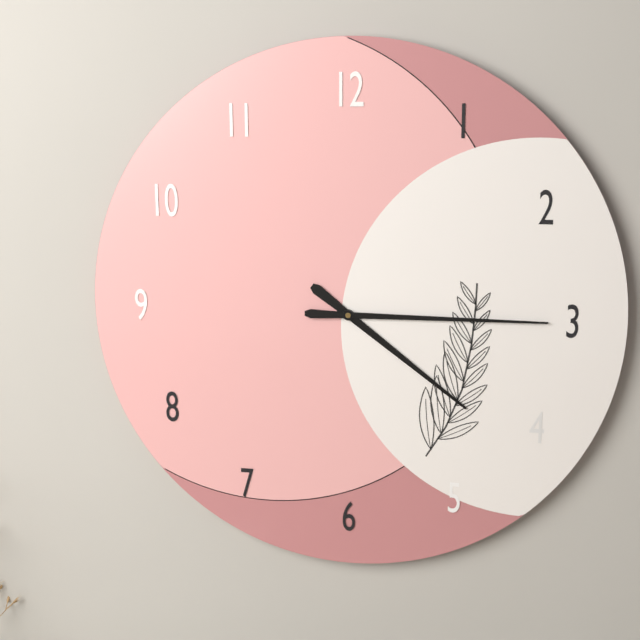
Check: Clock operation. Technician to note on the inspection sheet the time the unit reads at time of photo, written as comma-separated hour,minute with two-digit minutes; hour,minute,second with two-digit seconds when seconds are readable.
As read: 4,15
